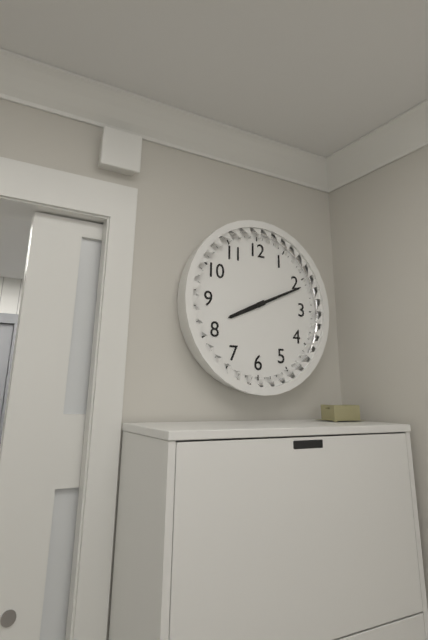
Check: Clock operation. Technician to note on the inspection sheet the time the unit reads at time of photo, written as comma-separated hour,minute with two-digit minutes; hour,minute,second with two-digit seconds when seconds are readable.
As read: 8,11
